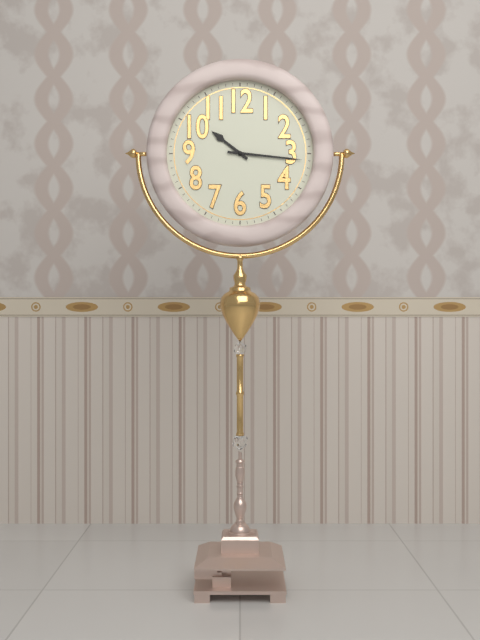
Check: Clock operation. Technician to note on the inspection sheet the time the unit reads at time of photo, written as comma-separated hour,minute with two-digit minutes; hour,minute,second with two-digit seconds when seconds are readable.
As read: 10,16
